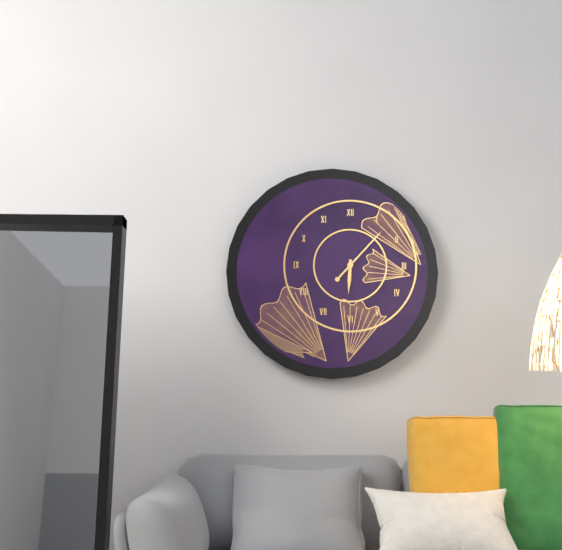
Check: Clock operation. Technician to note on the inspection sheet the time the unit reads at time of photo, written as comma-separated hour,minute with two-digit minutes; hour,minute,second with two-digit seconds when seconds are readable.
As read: 6,07
